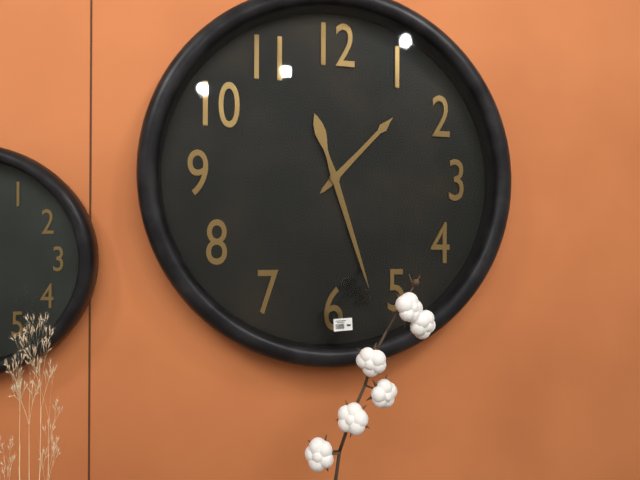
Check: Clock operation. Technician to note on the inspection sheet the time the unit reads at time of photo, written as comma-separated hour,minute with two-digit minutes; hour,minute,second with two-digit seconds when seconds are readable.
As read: 1,27
